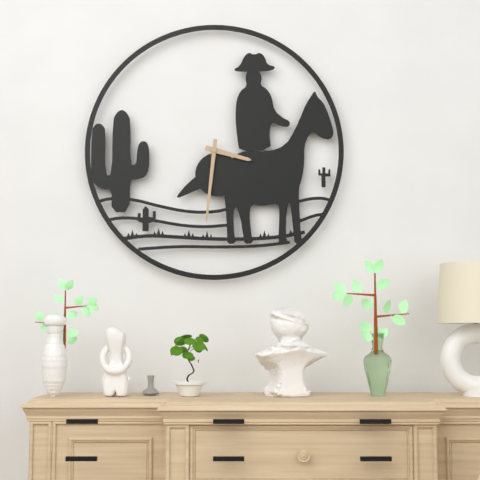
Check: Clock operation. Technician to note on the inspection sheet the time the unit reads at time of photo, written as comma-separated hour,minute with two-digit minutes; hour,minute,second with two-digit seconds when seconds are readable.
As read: 3,31
